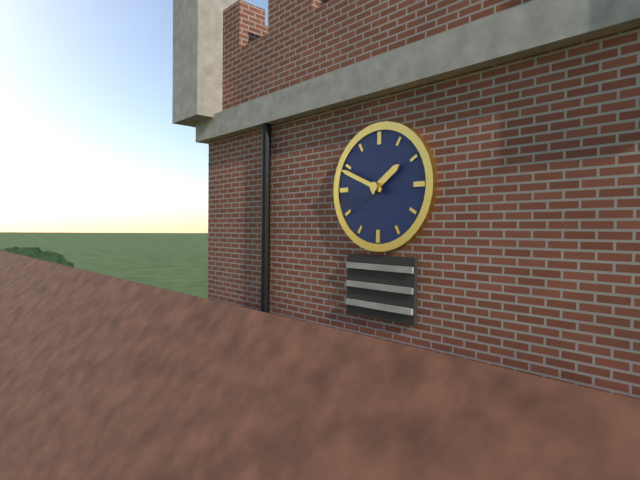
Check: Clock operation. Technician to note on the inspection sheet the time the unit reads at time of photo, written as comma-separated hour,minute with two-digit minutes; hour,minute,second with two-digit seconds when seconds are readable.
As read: 1,49
